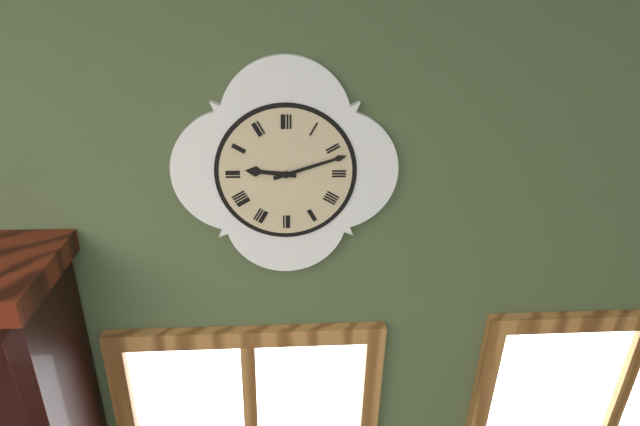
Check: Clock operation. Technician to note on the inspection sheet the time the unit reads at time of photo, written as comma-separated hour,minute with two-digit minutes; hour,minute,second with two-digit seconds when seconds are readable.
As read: 9,12
